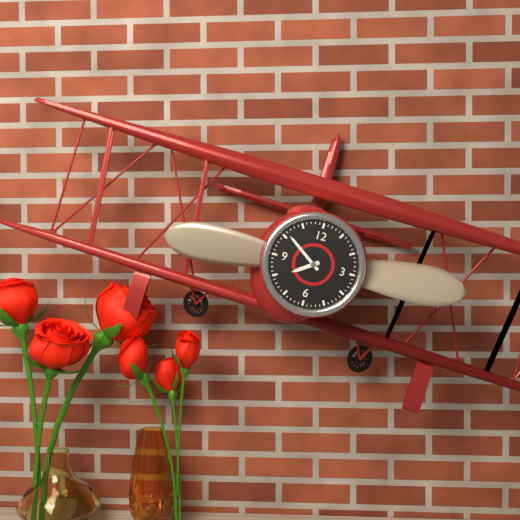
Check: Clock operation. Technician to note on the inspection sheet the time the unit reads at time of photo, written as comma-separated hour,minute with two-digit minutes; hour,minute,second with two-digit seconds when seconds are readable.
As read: 7,51
